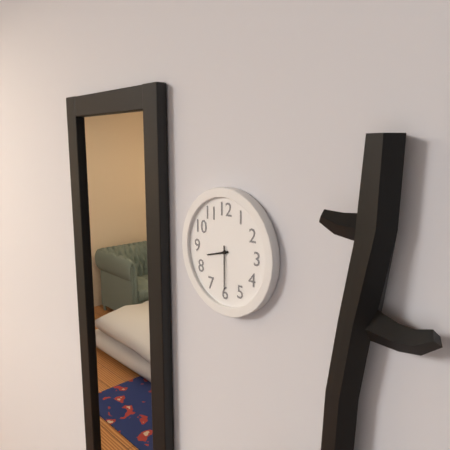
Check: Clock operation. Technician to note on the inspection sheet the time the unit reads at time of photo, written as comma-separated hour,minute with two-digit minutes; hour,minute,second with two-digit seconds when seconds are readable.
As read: 8,30
